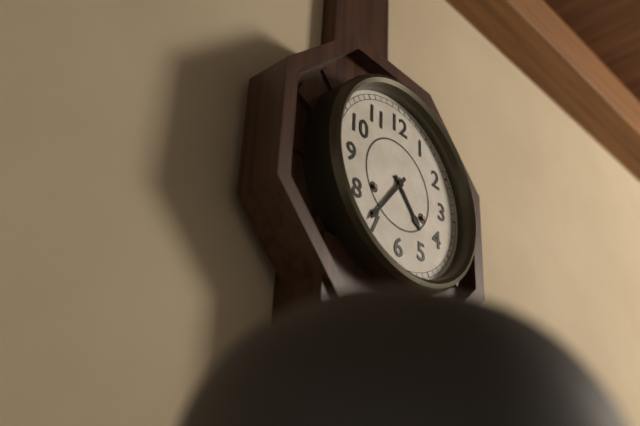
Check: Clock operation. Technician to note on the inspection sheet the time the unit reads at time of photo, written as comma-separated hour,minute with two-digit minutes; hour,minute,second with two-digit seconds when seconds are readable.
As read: 4,36
